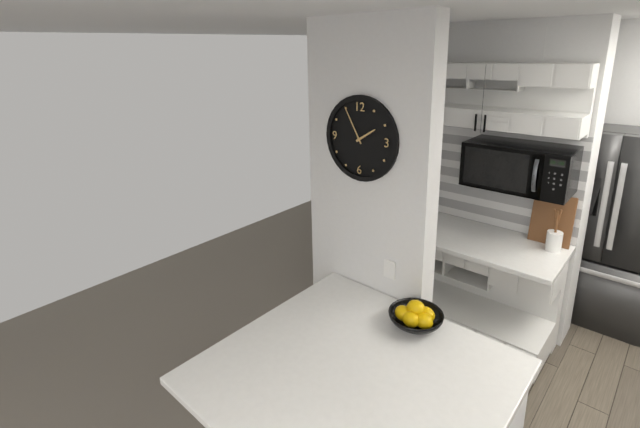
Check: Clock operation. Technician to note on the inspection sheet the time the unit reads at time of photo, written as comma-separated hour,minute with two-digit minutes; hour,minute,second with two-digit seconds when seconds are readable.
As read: 1,55
